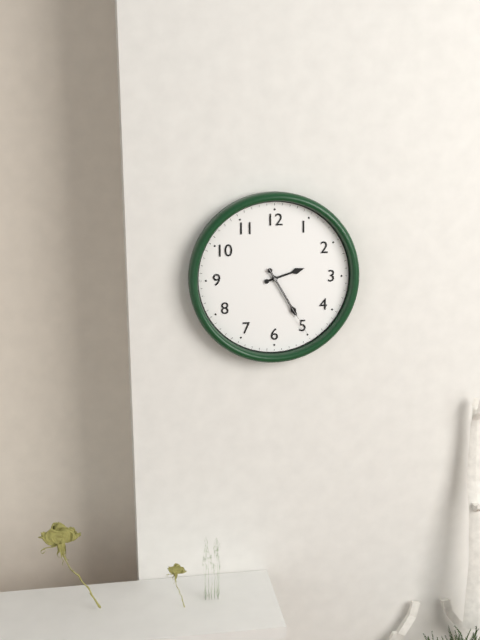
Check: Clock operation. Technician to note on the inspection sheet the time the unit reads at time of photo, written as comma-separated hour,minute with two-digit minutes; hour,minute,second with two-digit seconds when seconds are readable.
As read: 2,25,25
